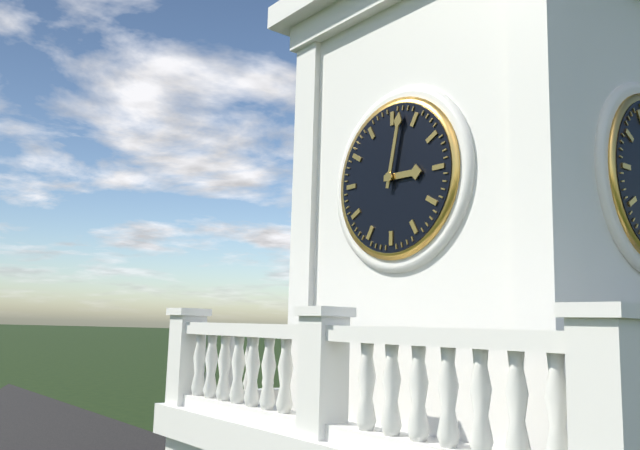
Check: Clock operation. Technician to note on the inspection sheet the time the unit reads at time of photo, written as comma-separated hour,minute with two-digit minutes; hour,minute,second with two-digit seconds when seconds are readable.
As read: 3,02
